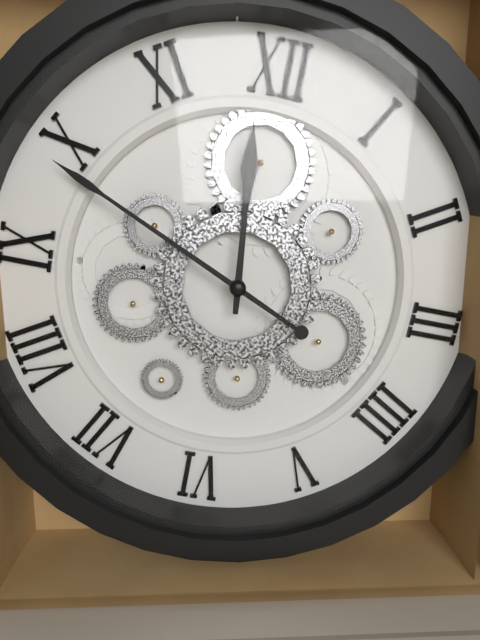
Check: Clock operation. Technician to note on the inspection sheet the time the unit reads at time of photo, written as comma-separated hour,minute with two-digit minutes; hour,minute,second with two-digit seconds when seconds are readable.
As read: 11,49
